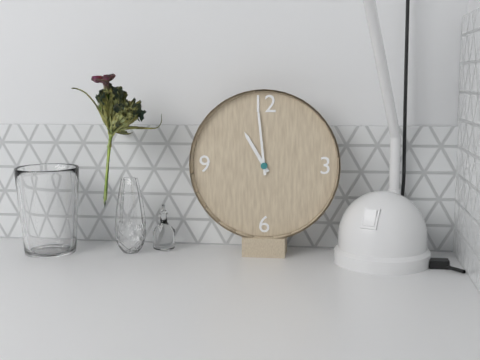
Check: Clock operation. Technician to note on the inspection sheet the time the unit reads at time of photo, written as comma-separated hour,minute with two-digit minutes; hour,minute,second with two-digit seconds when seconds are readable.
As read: 10,59
